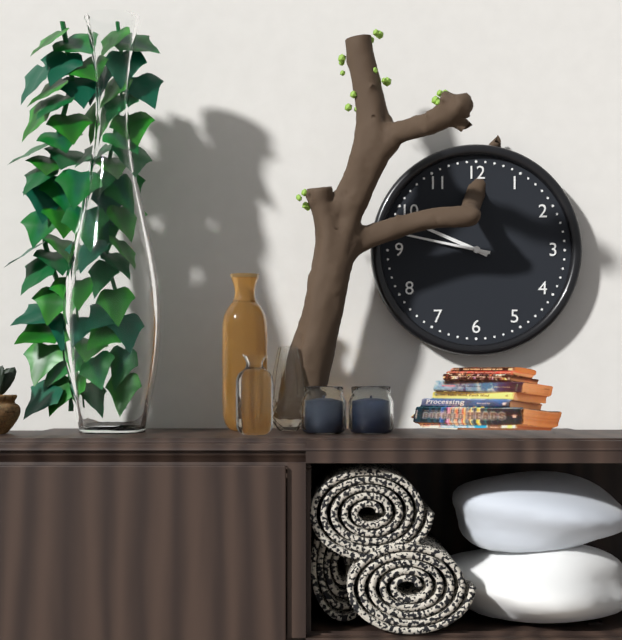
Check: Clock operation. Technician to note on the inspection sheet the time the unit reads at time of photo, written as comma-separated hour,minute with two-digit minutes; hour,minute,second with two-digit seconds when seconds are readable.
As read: 9,47
